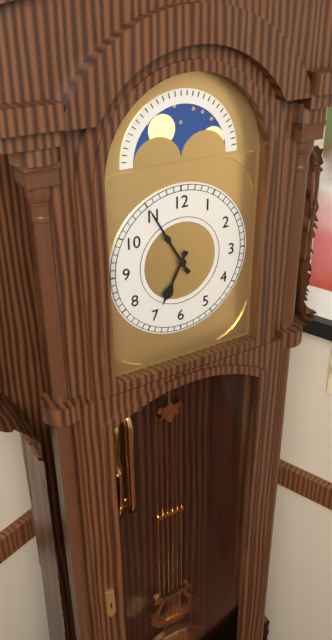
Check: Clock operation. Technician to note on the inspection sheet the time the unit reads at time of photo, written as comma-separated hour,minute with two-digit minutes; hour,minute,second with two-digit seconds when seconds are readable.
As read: 6,55
